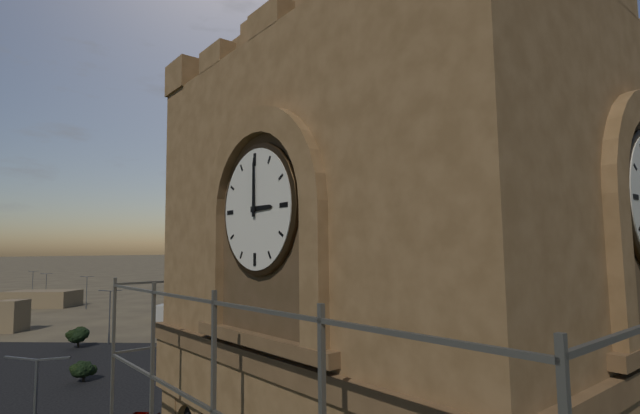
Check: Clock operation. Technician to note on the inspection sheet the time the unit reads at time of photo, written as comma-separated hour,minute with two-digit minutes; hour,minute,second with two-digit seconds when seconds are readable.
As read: 3,00
